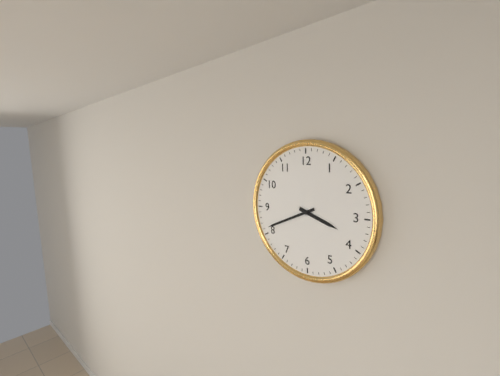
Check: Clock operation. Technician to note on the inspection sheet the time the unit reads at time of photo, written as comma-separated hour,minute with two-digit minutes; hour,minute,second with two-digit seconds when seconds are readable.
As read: 3,41
